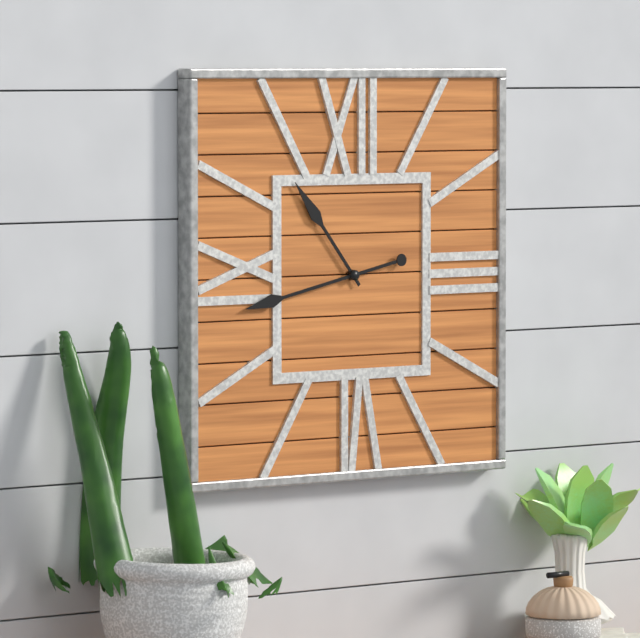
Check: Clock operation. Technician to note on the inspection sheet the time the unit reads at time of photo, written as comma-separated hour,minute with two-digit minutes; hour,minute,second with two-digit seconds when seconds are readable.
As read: 10,43
